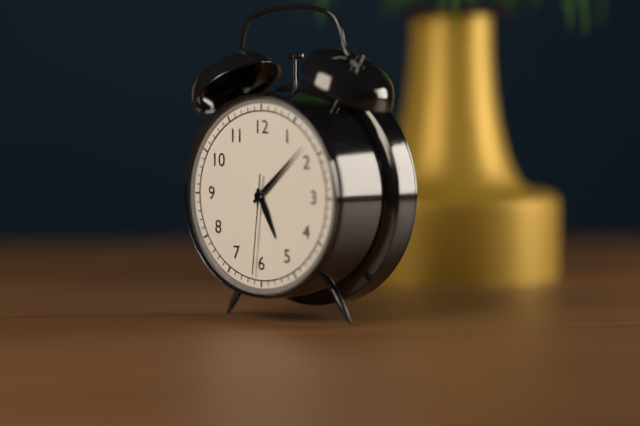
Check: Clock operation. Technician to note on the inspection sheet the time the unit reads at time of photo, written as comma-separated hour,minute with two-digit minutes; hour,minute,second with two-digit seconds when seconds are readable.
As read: 5,08,31
